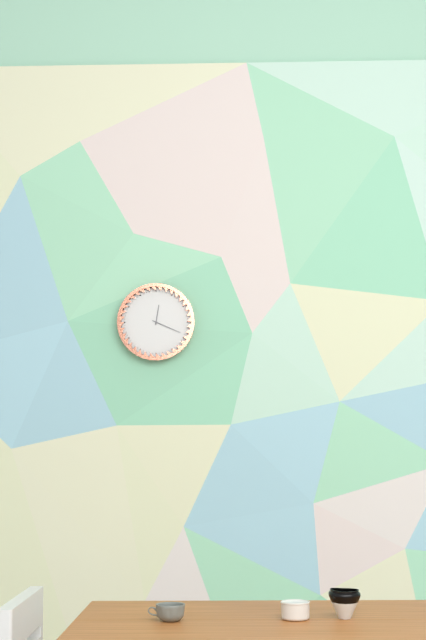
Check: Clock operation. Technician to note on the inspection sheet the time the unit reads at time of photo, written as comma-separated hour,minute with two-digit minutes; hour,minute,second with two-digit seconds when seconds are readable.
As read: 12,19
